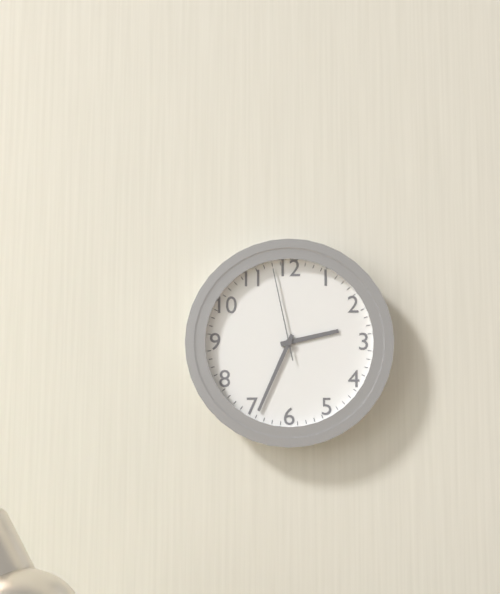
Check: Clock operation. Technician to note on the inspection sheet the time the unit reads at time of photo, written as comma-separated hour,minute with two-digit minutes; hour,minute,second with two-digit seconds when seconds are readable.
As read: 2,34,58
